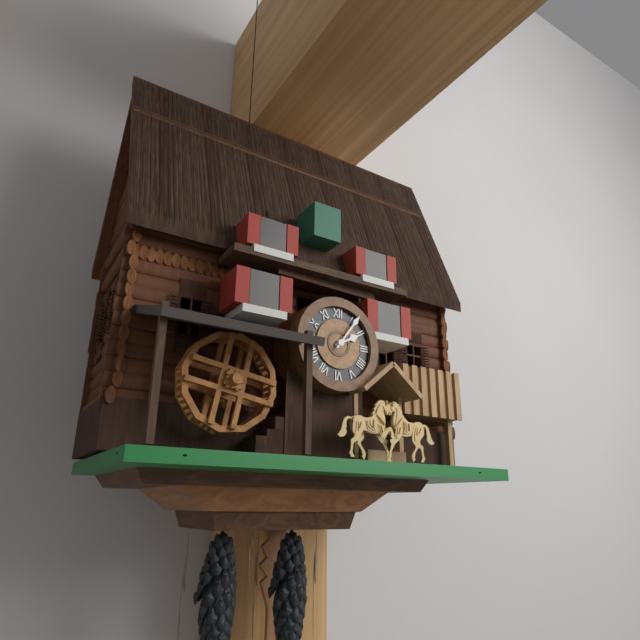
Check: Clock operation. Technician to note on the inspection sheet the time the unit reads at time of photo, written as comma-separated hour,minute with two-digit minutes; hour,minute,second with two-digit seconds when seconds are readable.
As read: 2,06
